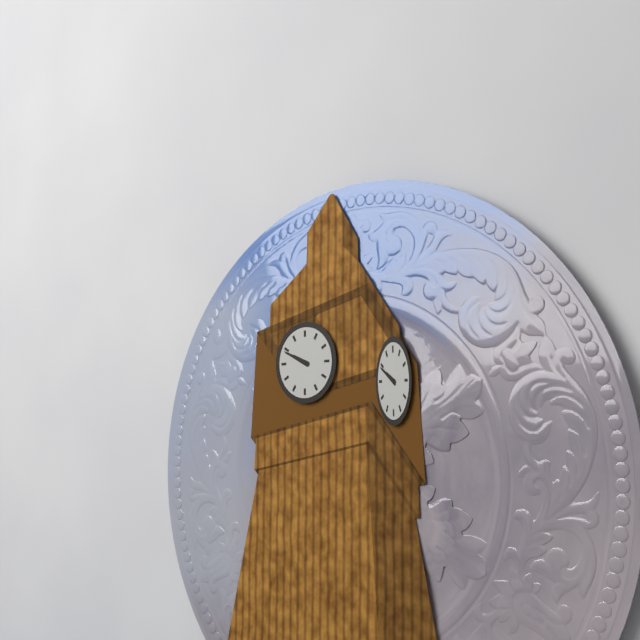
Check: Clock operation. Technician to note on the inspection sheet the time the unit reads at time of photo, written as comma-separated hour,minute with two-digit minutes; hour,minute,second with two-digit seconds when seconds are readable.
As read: 9,49
